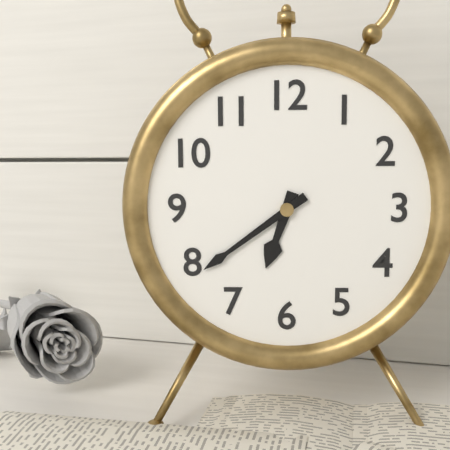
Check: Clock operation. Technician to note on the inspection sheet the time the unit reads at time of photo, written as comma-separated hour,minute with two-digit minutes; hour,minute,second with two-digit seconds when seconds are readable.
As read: 6,39
